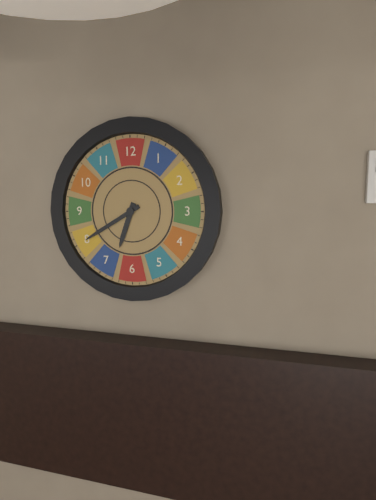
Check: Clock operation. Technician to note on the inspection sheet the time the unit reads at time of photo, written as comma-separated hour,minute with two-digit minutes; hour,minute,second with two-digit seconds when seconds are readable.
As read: 6,40
